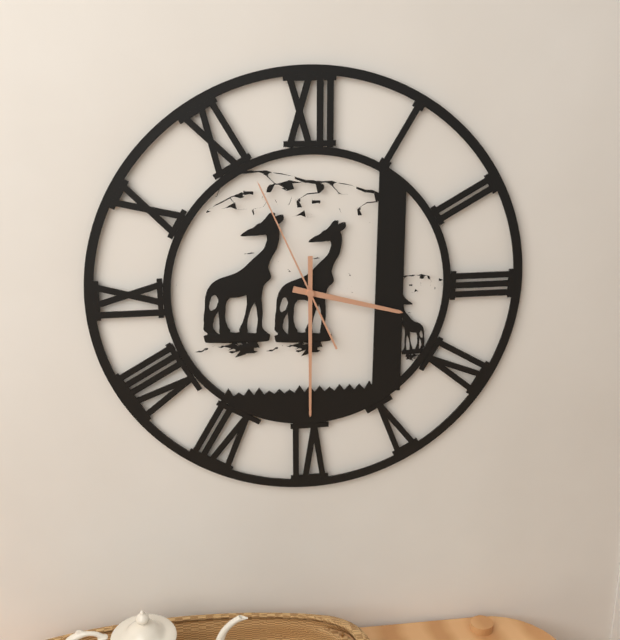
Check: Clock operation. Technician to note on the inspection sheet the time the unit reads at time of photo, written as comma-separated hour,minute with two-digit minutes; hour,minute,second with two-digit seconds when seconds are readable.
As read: 3,30,56
